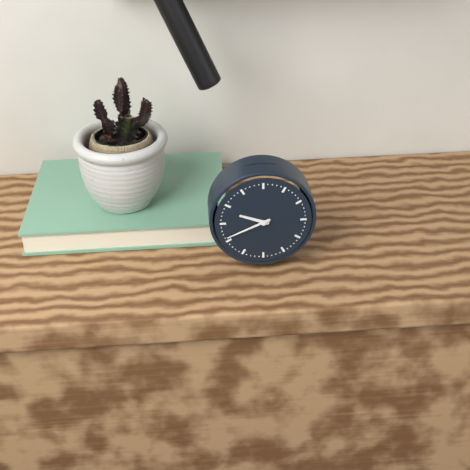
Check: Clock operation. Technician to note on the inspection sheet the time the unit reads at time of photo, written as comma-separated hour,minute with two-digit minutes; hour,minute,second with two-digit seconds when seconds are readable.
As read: 9,41
